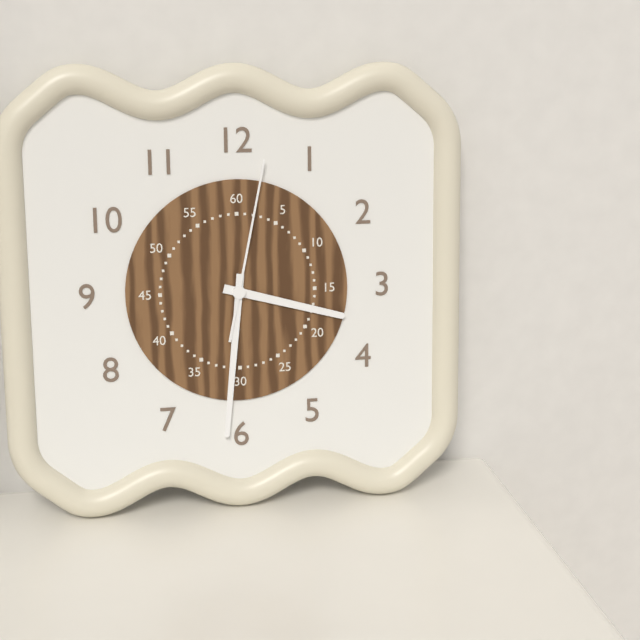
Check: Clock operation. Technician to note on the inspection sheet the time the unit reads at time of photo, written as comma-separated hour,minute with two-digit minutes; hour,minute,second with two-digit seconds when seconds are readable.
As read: 3,31,02
